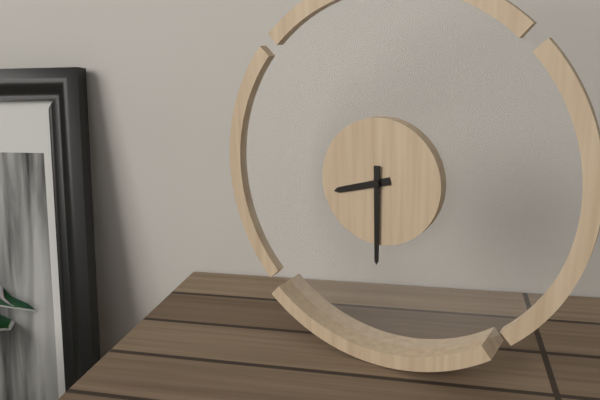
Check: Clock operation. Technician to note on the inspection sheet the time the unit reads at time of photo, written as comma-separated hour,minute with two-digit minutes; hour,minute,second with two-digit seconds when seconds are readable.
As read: 8,30
